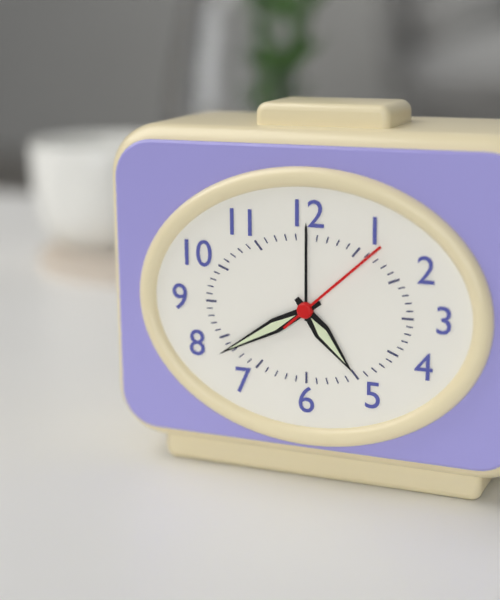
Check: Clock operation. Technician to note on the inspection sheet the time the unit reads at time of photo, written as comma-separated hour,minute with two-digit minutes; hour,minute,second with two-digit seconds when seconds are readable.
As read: 4,40,08
